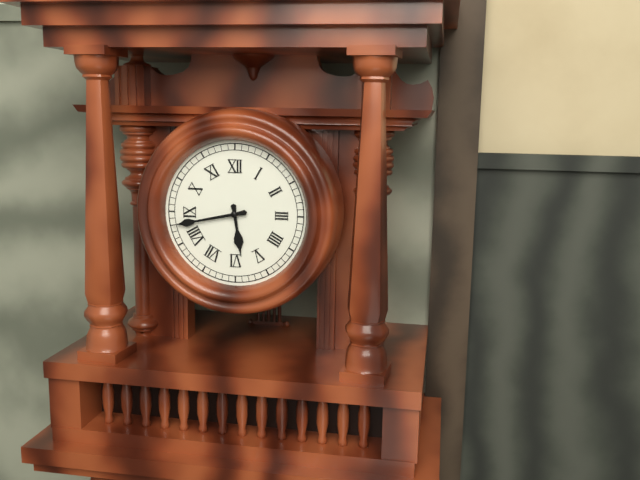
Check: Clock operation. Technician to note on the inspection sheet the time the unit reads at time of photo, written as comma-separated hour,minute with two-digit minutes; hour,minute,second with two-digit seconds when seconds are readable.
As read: 5,43
